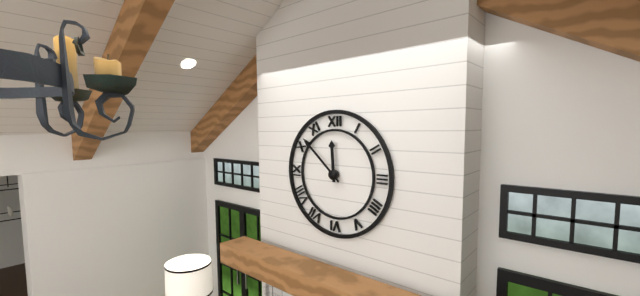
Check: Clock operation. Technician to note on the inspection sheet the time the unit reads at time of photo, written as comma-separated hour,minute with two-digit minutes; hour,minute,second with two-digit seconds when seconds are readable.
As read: 11,52
